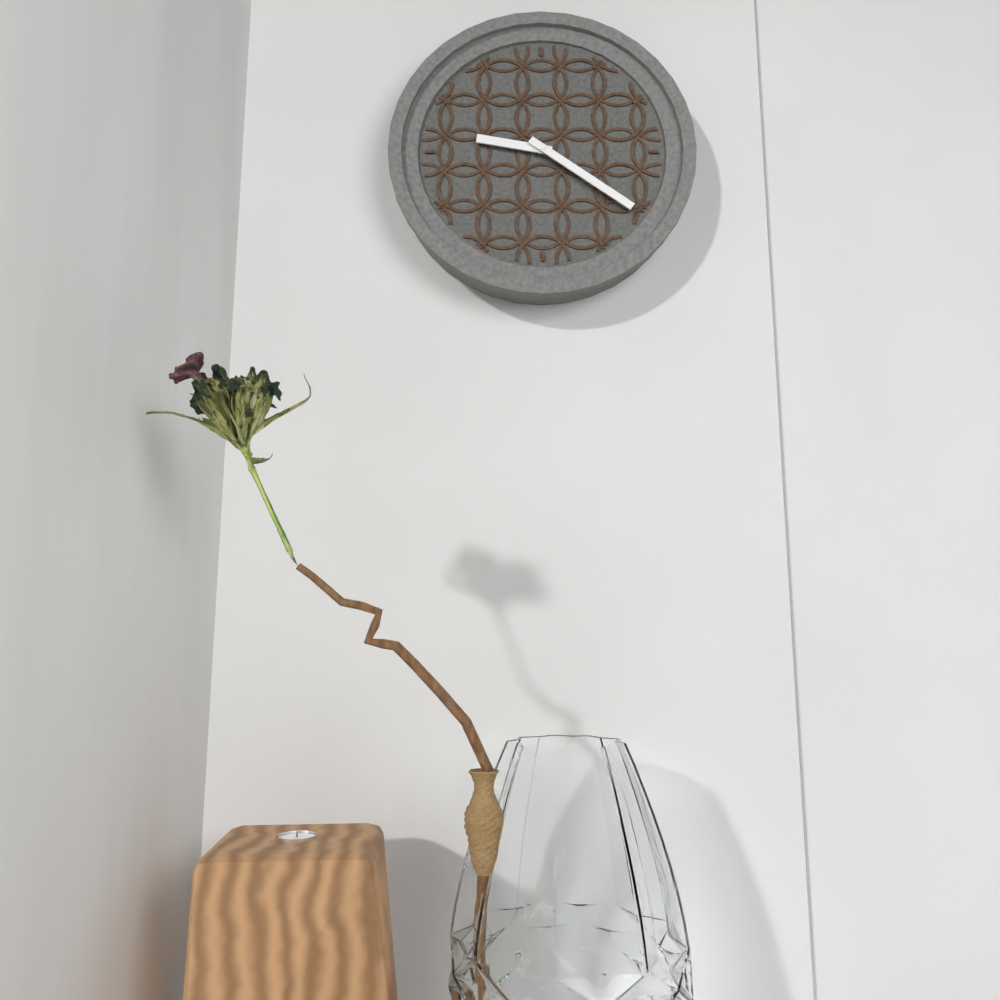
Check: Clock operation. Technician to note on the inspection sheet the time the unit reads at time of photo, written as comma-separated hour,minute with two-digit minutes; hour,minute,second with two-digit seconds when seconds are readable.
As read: 9,21
